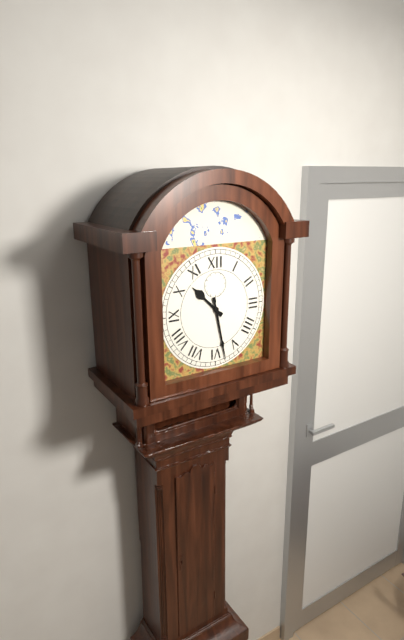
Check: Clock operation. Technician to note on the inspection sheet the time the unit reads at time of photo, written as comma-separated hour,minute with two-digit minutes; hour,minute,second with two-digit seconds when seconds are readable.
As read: 10,28
